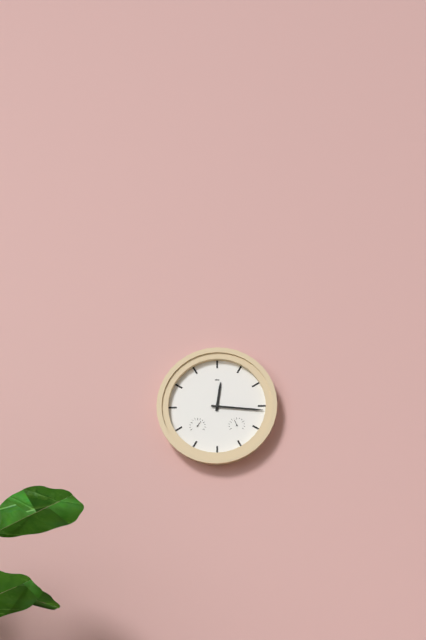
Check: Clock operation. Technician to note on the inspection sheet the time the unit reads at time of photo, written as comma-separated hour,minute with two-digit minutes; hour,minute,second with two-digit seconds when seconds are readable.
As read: 12,16
